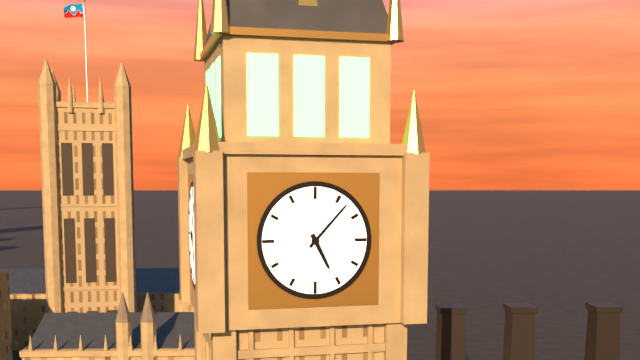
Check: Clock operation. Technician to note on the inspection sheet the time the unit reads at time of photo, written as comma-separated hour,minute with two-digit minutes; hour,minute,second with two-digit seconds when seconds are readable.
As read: 5,07
